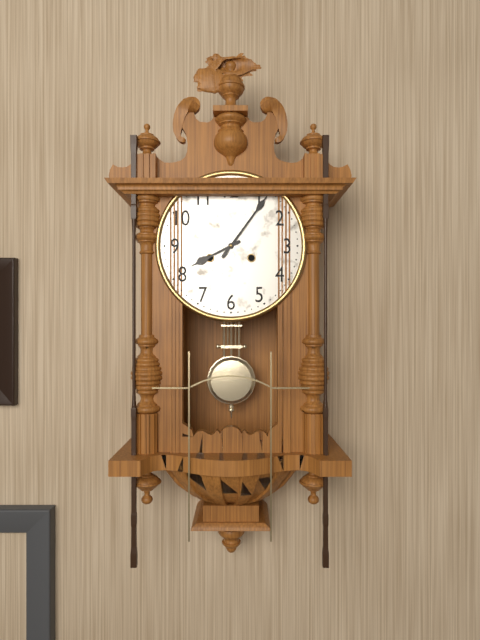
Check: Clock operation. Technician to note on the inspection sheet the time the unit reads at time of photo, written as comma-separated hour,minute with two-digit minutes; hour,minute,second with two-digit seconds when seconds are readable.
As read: 8,06
